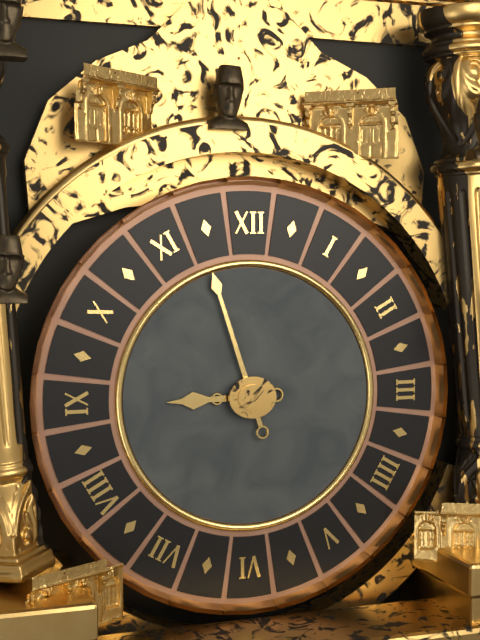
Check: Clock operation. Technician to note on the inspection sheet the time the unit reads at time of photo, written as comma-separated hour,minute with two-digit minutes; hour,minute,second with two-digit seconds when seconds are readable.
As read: 8,57
